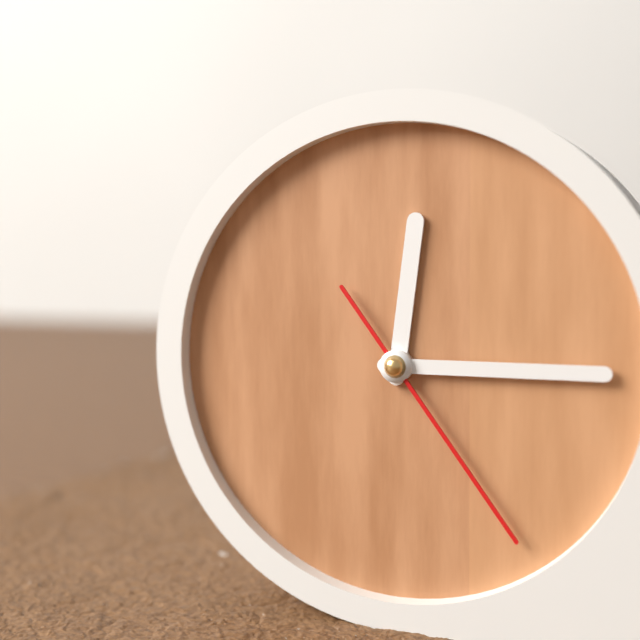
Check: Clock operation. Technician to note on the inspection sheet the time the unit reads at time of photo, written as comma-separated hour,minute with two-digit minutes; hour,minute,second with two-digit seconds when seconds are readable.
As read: 12,15,24
